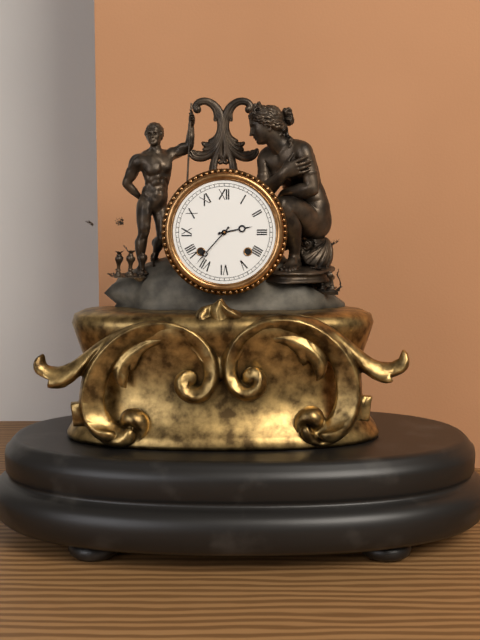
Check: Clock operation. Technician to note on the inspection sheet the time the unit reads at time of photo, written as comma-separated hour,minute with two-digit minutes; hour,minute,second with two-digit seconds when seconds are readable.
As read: 2,37
